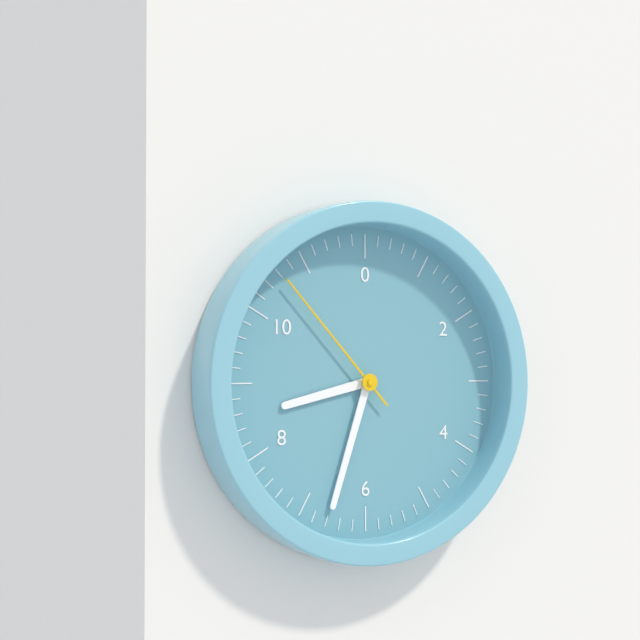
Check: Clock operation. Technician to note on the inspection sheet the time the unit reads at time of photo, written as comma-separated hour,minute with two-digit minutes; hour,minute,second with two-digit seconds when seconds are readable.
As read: 8,33,53
